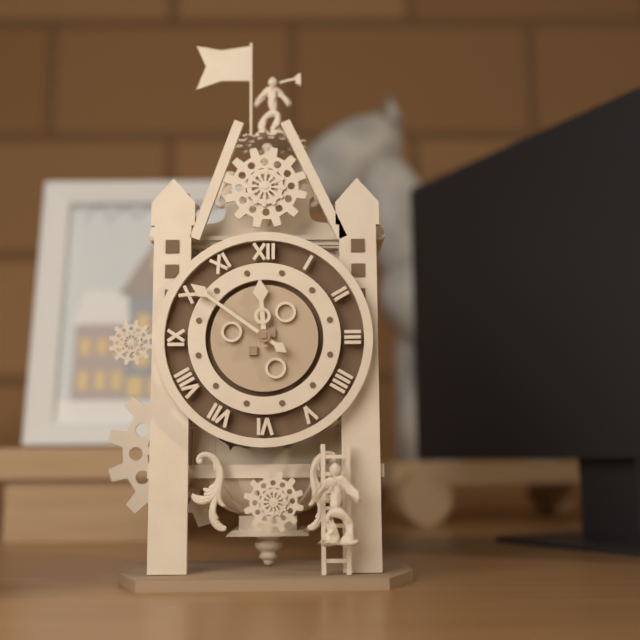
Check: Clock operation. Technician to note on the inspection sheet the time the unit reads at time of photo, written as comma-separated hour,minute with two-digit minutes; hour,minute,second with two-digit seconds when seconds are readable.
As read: 11,51
